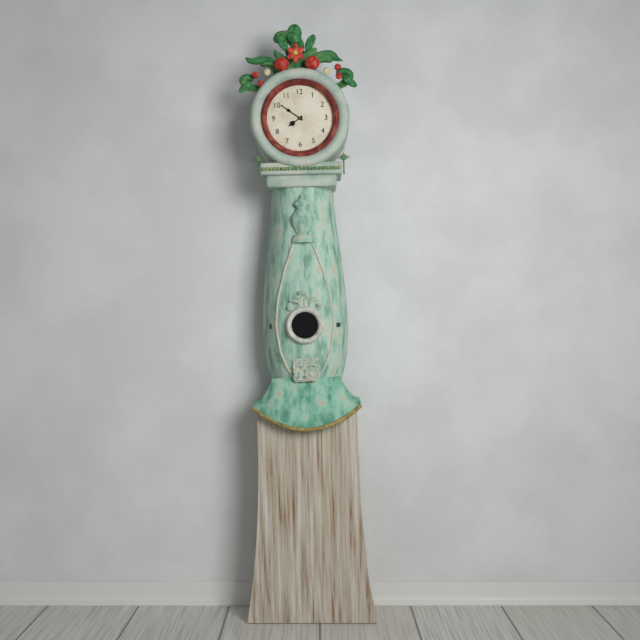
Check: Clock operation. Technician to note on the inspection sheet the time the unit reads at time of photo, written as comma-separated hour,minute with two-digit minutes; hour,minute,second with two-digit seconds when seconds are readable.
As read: 7,51
